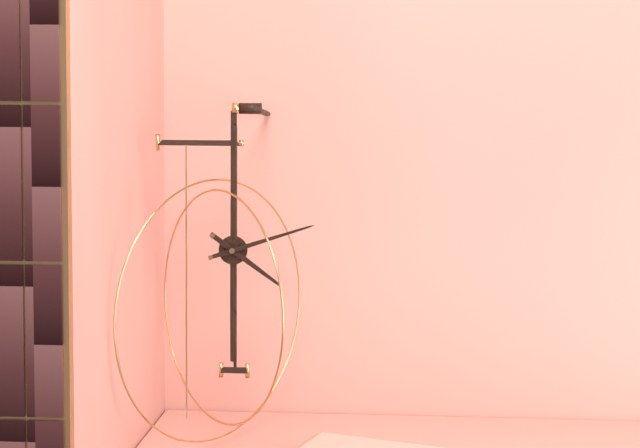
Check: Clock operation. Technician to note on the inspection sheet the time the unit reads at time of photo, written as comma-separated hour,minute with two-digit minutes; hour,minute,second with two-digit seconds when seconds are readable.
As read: 4,12
